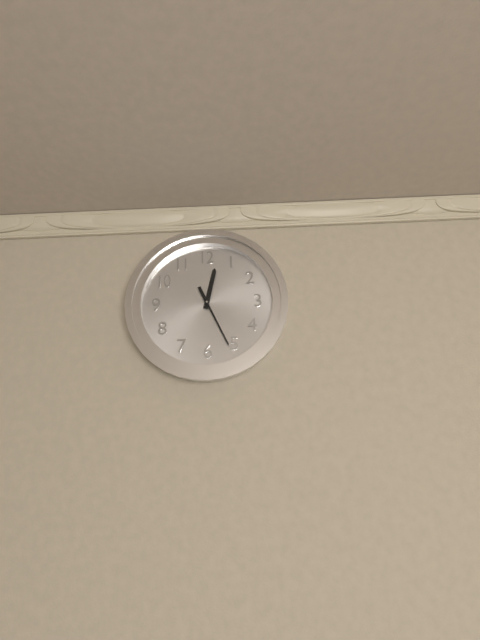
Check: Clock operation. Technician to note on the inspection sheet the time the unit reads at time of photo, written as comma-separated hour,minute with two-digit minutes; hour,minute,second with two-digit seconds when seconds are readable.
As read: 12,26
